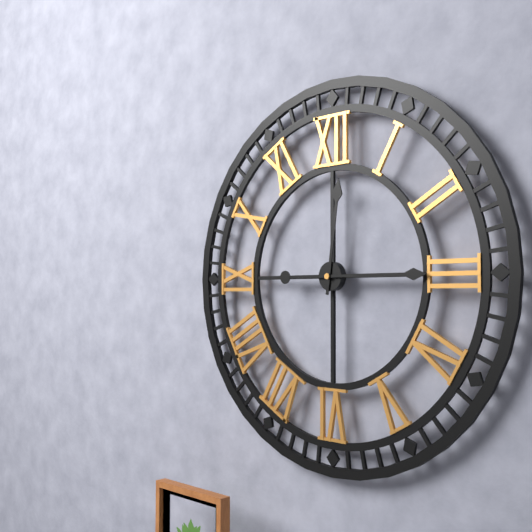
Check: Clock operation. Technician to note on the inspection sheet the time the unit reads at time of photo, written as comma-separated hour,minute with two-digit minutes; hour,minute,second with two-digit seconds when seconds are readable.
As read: 12,15
